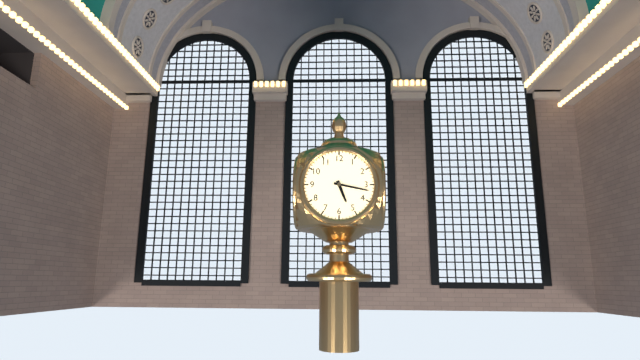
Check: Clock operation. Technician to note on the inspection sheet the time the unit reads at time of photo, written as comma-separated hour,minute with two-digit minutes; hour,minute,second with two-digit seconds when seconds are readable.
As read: 5,17
